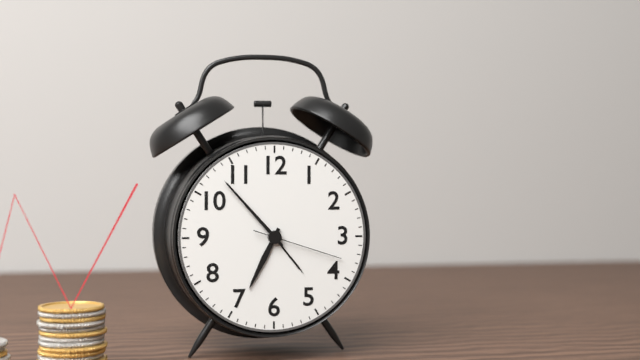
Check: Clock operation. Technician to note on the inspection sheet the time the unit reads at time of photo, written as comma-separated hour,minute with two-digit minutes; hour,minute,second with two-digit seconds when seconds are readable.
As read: 6,53,18
